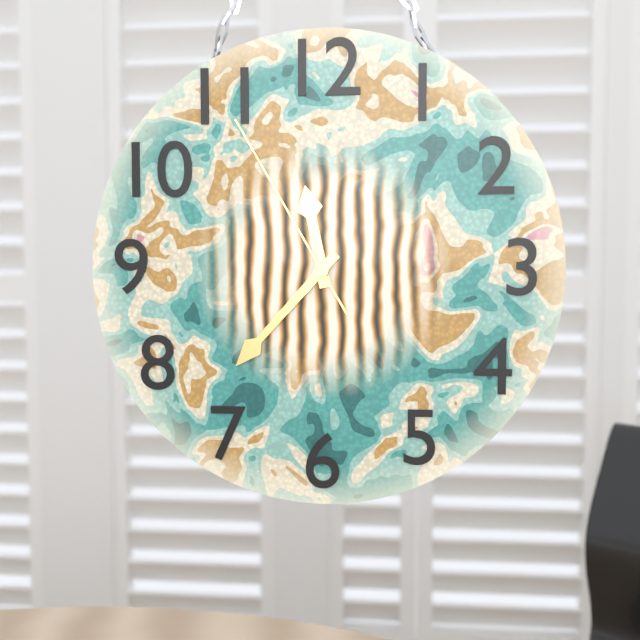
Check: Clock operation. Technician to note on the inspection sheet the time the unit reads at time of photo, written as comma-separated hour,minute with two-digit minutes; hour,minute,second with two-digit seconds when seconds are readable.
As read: 11,37,55
